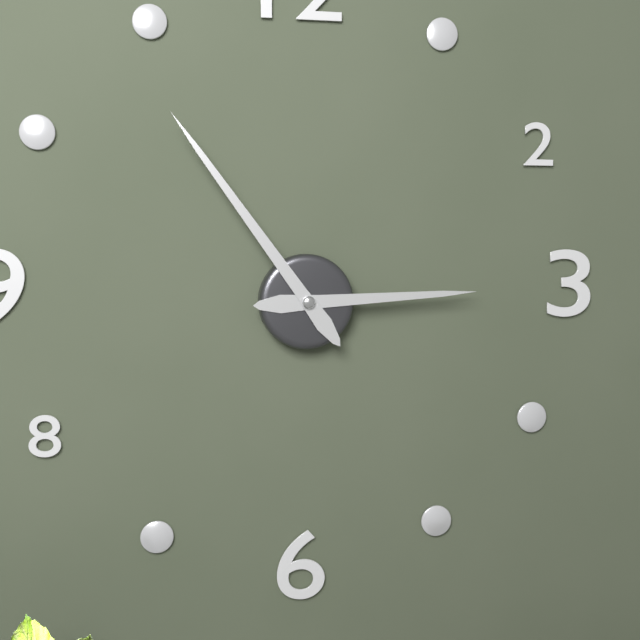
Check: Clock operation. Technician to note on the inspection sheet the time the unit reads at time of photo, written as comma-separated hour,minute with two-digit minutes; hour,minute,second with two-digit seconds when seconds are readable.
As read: 2,54
